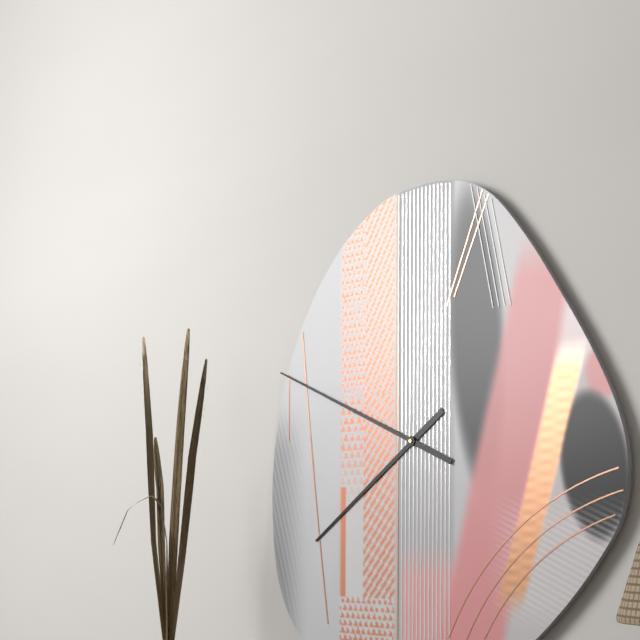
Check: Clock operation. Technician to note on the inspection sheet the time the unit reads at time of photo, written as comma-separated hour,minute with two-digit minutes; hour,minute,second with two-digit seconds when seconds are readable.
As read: 7,49
